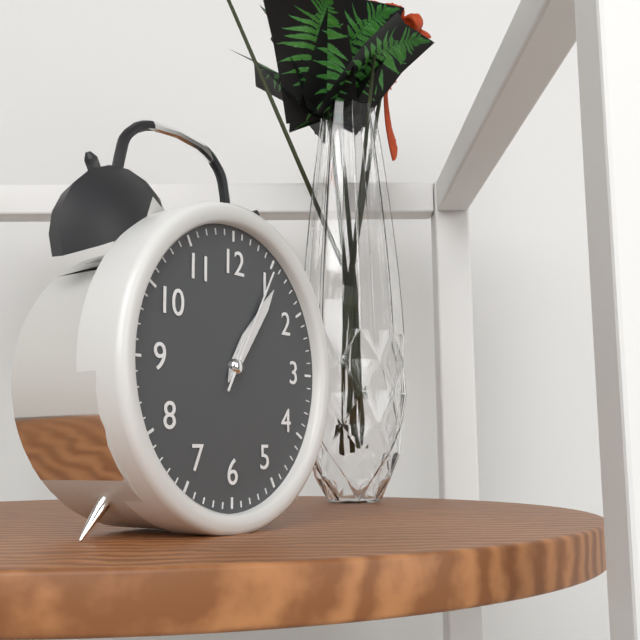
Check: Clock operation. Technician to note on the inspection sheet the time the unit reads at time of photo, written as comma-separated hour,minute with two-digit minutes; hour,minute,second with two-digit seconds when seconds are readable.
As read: 1,06,05
